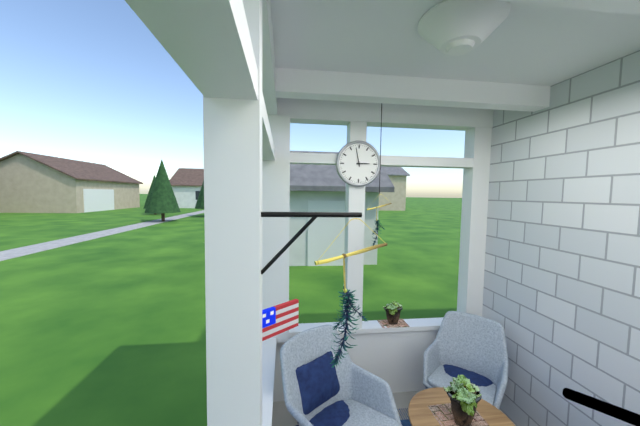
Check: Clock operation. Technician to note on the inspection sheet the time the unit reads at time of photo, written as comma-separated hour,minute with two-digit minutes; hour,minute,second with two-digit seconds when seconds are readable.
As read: 2,58
